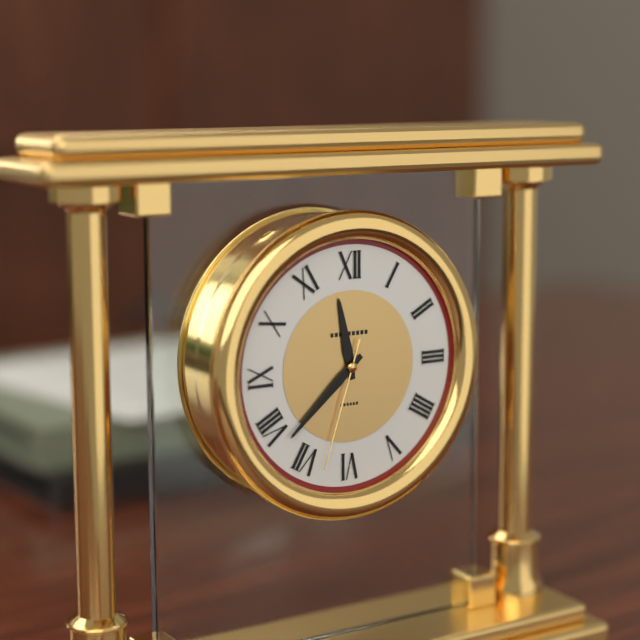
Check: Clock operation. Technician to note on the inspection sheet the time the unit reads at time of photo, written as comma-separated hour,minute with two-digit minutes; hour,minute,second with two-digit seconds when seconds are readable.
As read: 11,38,33
